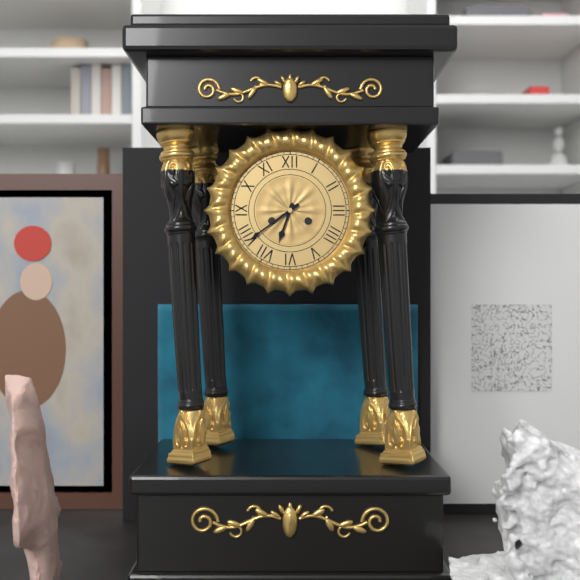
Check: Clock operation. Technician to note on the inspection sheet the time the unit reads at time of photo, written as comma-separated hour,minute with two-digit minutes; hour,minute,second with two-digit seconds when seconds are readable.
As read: 6,39
